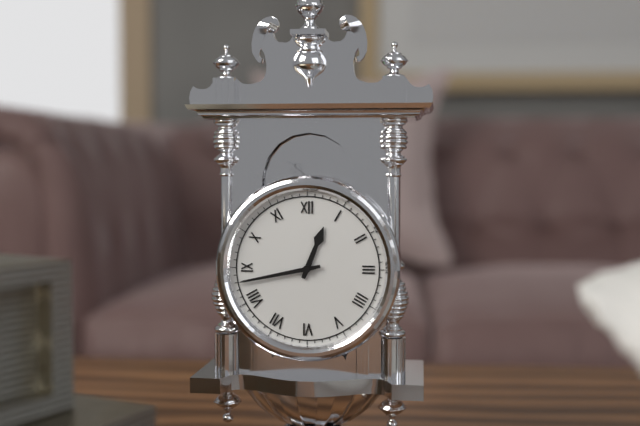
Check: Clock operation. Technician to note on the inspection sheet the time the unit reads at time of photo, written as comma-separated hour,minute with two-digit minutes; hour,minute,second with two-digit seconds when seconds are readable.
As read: 12,43
